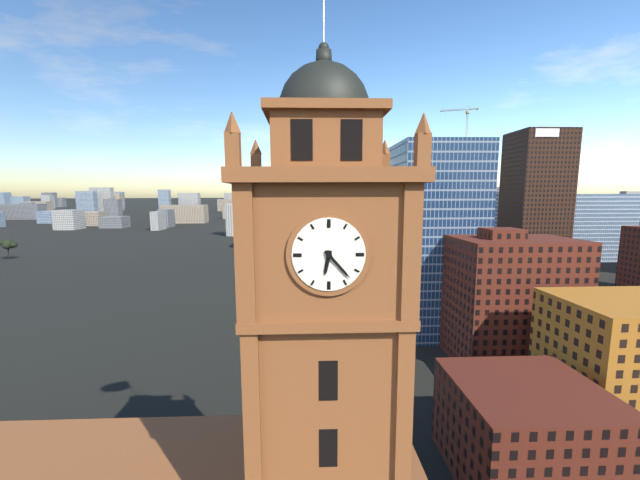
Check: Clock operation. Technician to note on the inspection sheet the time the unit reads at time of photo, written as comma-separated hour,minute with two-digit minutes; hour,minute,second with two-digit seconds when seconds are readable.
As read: 6,23
